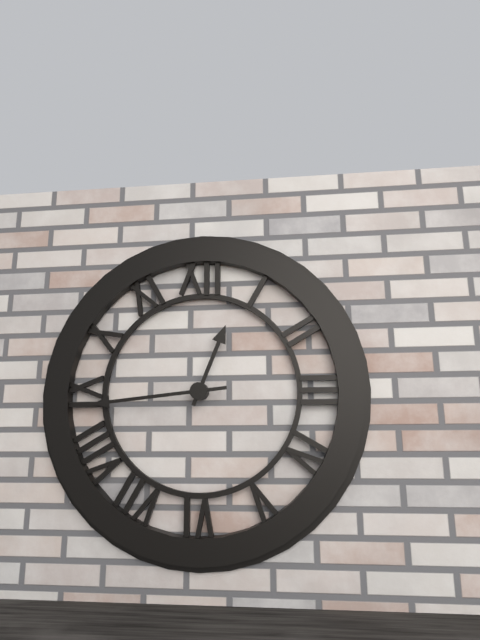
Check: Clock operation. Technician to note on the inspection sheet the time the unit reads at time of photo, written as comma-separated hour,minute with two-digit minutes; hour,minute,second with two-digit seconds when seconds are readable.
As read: 12,44
